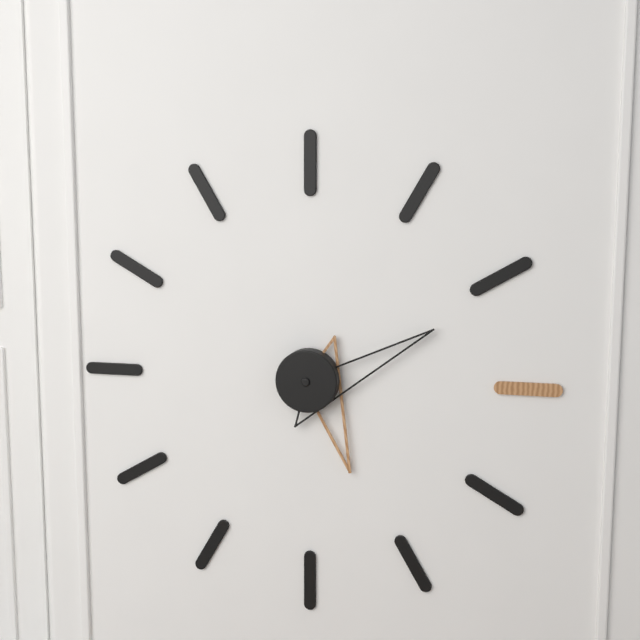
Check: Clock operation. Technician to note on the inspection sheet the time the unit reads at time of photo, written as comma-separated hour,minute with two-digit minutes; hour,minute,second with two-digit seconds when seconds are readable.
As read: 5,11
